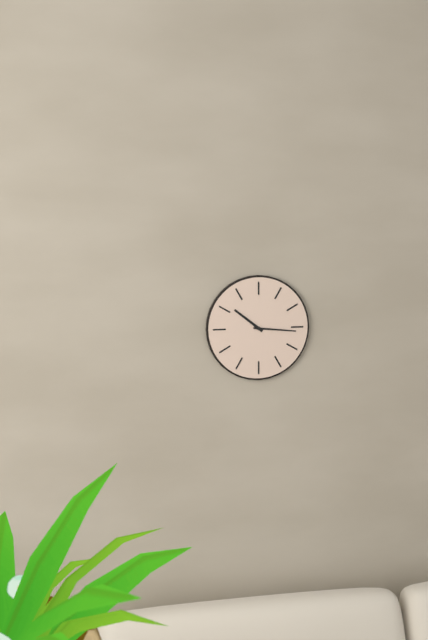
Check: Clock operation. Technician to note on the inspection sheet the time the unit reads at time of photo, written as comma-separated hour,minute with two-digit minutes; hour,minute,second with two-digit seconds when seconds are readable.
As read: 10,16
